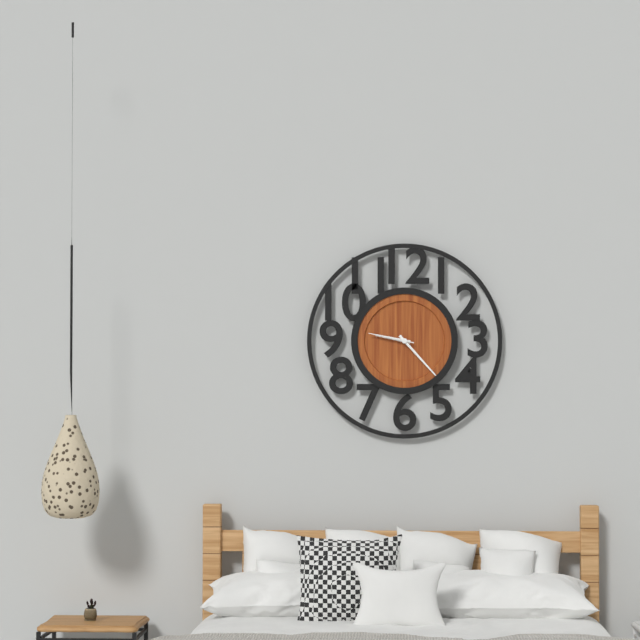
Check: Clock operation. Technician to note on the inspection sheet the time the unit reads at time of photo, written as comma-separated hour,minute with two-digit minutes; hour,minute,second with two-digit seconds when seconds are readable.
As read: 9,23
